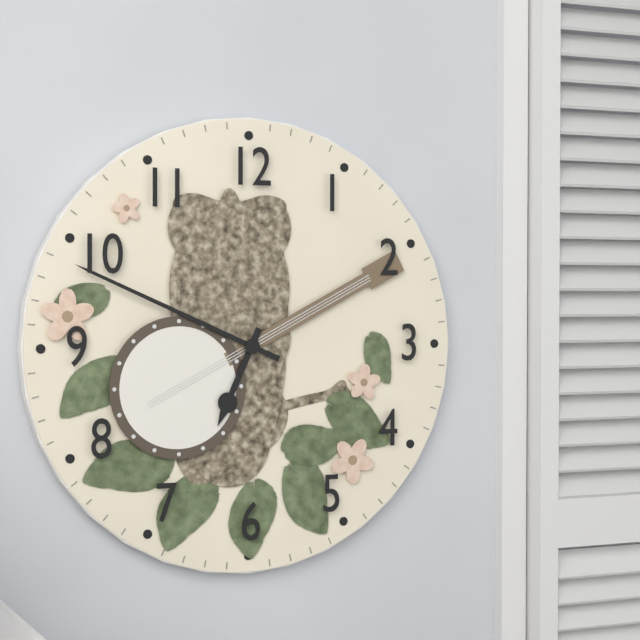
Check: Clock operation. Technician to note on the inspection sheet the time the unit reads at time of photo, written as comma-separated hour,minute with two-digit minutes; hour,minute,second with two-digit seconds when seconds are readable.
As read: 6,49
